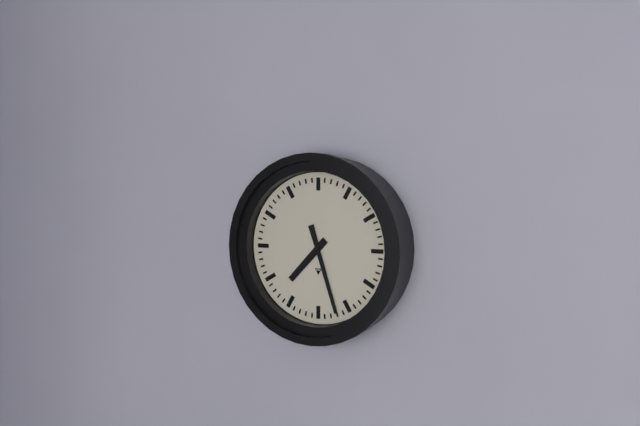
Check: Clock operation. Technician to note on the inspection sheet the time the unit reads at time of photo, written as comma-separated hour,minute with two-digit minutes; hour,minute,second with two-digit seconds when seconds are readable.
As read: 7,27
